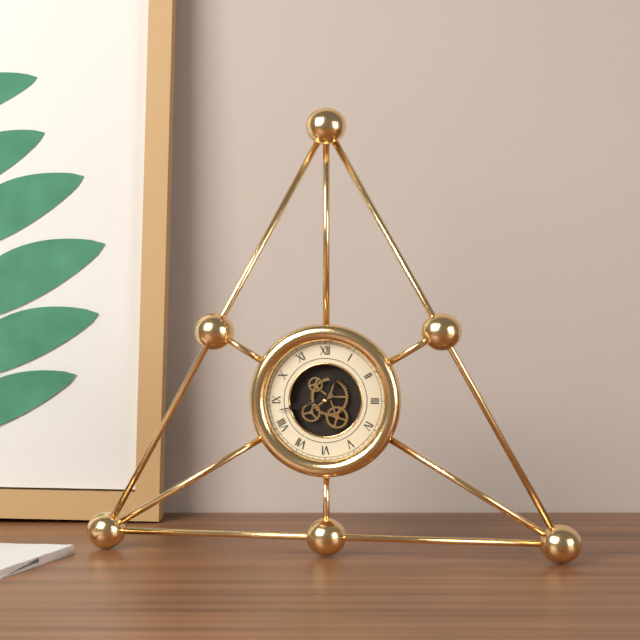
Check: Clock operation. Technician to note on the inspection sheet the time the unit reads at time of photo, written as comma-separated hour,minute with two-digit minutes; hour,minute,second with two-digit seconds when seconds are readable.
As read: 12,43
